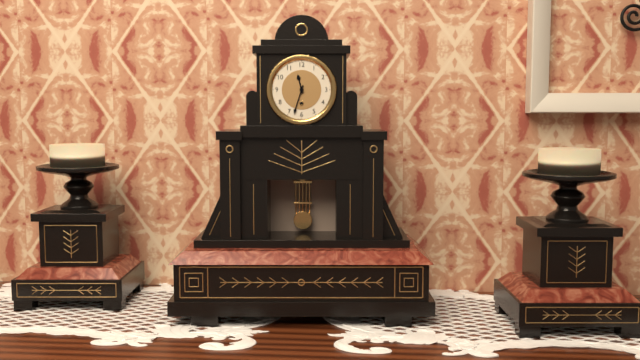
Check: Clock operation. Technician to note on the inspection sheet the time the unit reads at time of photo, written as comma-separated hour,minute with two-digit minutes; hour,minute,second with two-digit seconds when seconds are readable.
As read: 11,33
